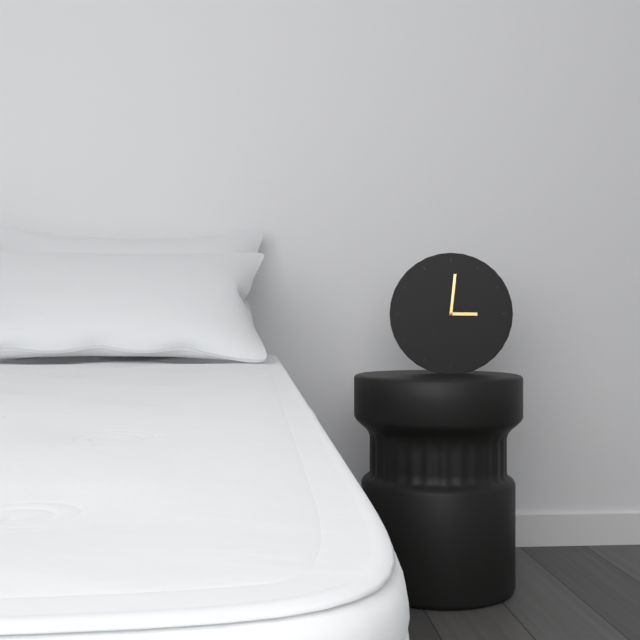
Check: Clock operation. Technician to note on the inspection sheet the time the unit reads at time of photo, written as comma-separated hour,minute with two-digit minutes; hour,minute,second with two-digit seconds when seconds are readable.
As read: 3,01
